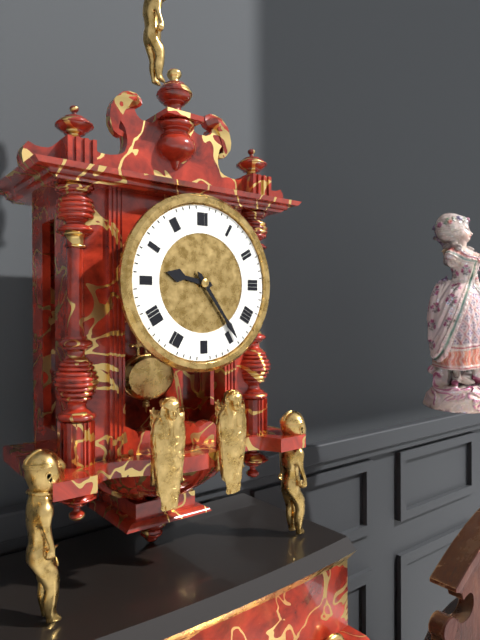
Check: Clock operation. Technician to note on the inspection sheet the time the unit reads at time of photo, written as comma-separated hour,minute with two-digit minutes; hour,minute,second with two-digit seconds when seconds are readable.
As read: 9,24
